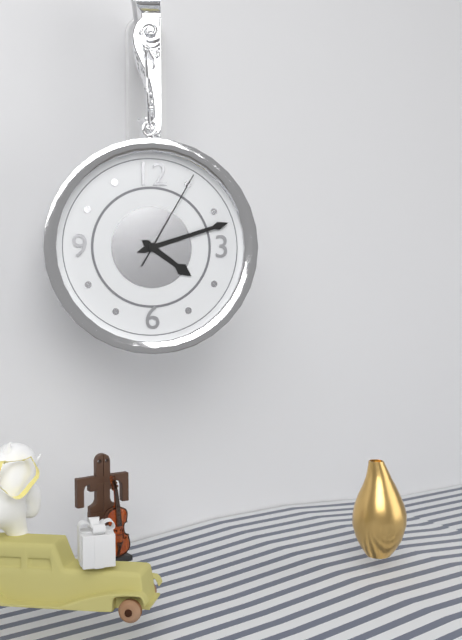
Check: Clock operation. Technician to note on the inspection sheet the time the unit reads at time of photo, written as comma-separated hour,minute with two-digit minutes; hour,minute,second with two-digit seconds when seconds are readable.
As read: 4,12,05
